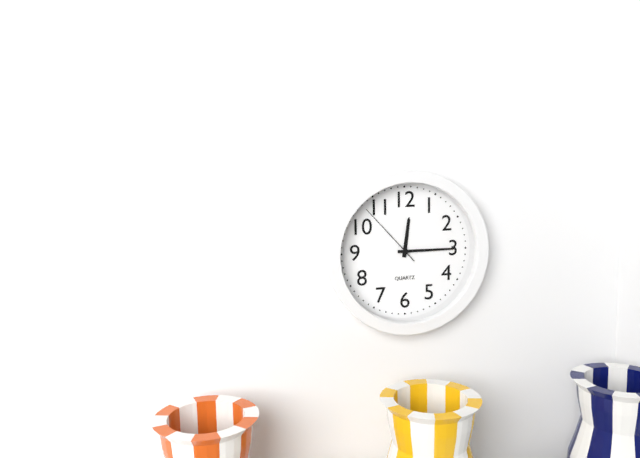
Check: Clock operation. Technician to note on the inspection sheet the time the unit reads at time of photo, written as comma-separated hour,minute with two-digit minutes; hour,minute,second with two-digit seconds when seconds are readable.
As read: 12,15,53
